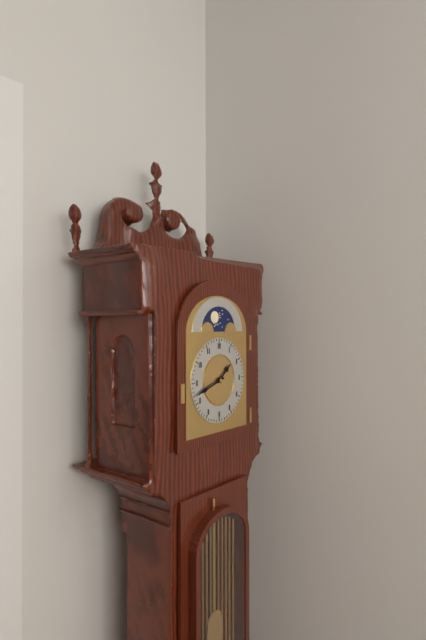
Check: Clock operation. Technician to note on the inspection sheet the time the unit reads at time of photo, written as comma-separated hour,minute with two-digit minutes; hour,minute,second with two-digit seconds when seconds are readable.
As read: 1,42
